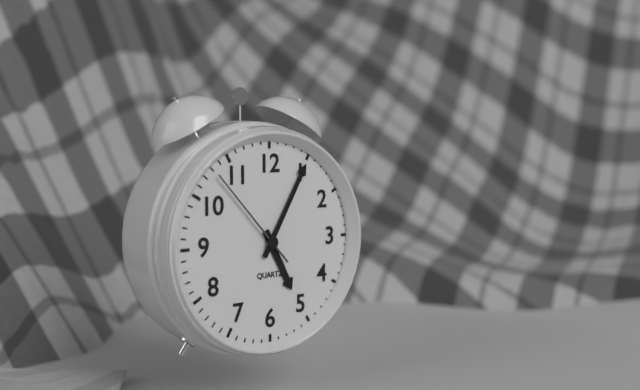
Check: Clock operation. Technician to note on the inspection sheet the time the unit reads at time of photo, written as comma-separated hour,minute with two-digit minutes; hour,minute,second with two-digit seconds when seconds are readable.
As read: 5,05,53
